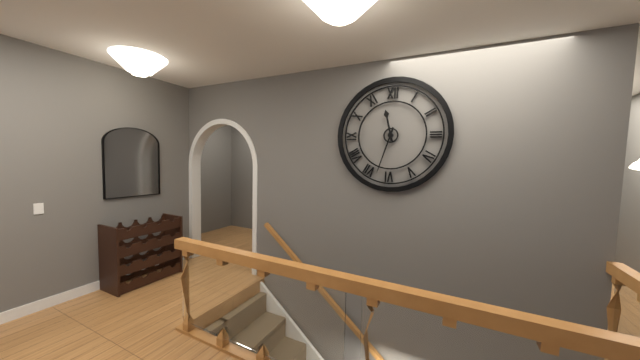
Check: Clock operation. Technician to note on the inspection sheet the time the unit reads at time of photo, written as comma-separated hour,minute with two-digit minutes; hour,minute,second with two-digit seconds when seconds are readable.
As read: 11,33
